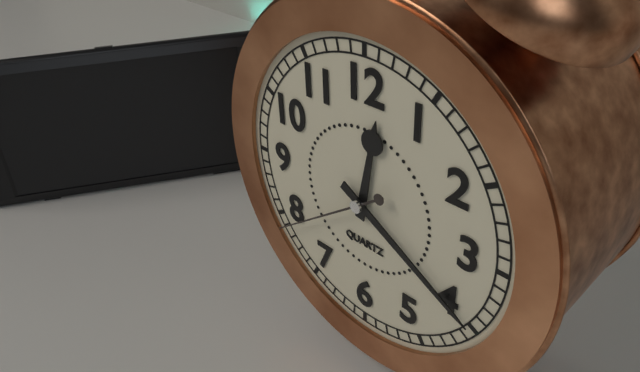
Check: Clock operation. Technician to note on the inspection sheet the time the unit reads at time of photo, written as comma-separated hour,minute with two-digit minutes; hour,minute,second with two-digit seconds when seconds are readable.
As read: 12,20,39
